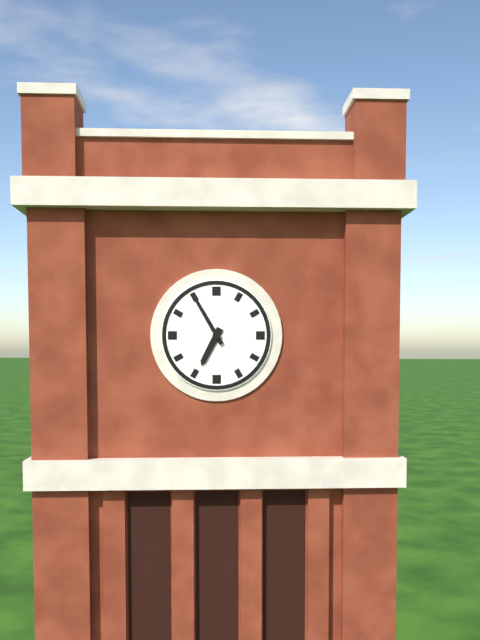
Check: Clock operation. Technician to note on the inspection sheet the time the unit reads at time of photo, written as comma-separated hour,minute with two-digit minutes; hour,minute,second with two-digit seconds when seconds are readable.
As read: 6,55
